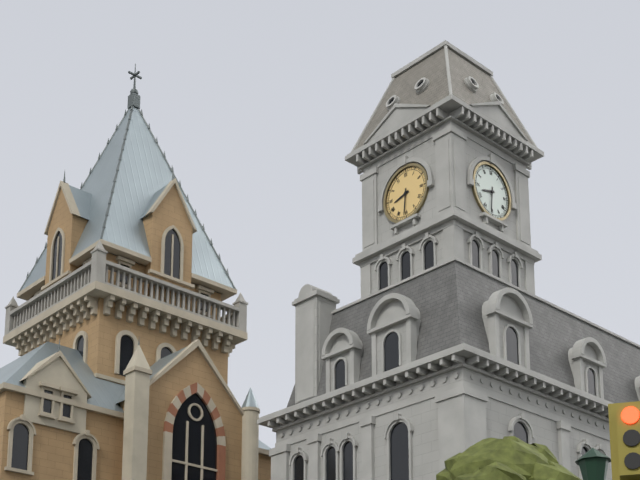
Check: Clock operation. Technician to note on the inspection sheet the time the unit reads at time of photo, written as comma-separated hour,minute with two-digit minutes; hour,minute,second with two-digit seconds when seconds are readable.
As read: 8,31
